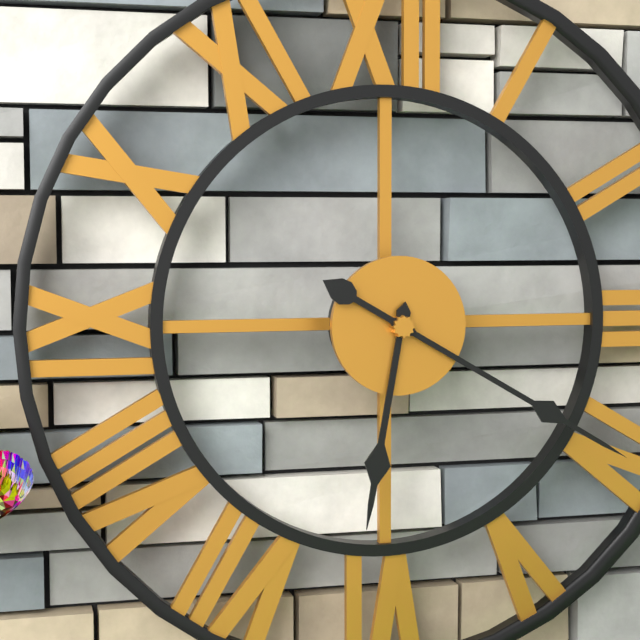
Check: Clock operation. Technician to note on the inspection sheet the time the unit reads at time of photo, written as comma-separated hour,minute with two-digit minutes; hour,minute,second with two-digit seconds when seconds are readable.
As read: 6,20
